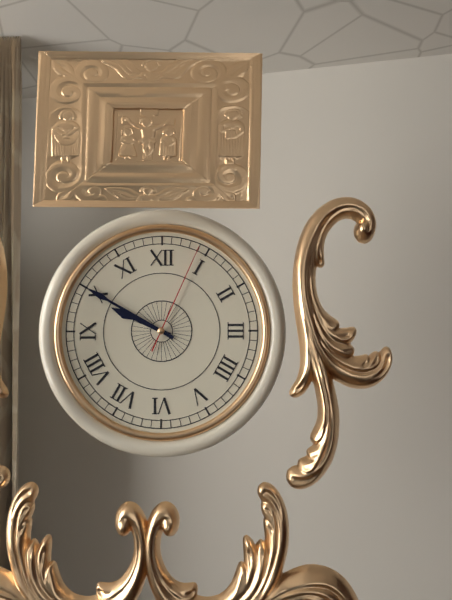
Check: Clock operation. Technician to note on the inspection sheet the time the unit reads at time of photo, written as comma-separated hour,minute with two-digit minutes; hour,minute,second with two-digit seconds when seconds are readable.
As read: 9,50,04
